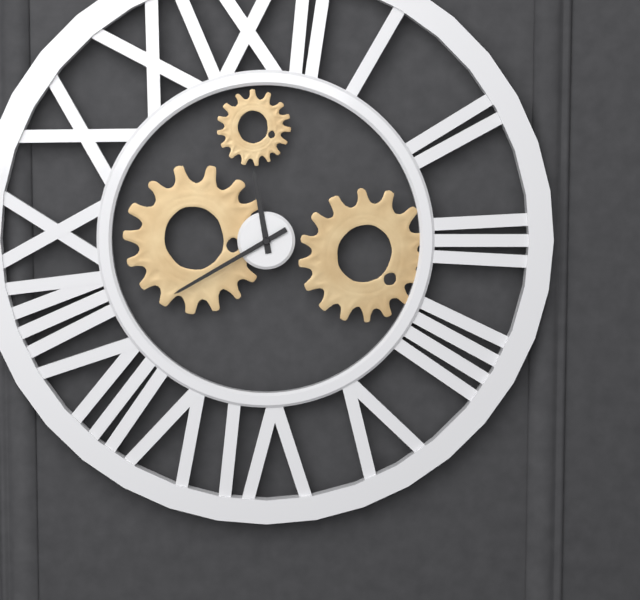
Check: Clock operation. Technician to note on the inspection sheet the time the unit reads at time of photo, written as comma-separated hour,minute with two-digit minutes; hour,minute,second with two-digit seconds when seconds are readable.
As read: 11,40
